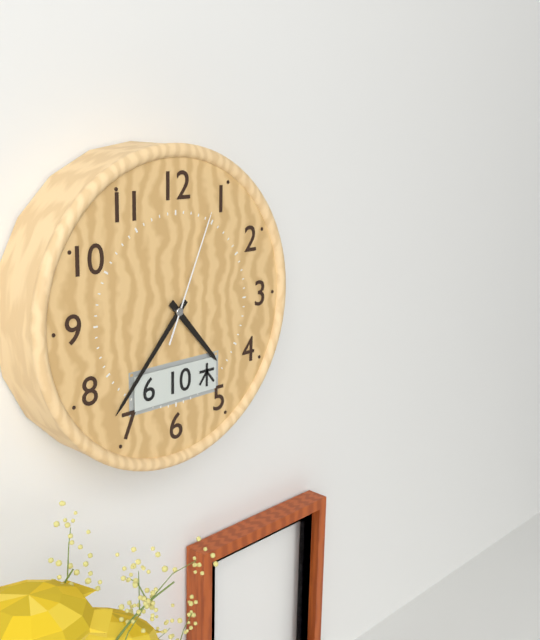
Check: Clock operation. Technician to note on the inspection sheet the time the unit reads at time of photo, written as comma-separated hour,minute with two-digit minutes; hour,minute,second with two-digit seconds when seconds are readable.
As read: 4,37,04
